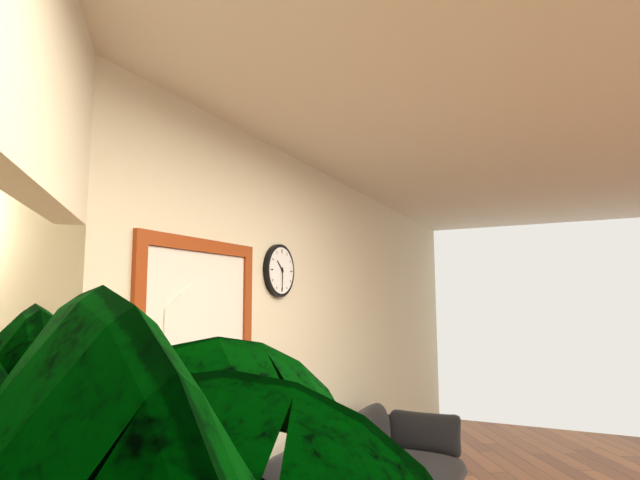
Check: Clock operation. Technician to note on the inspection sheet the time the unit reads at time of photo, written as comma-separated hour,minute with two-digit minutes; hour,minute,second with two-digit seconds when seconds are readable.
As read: 10,30
